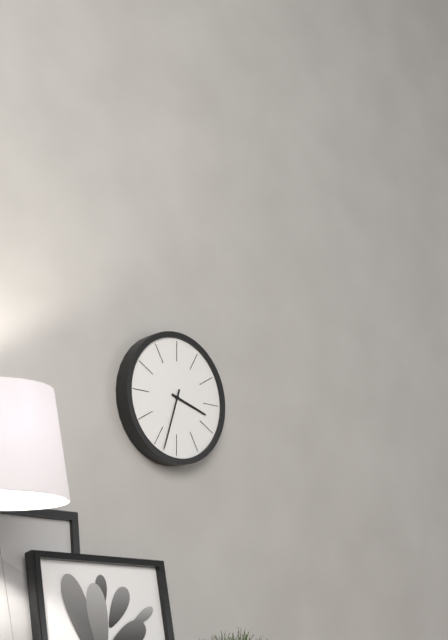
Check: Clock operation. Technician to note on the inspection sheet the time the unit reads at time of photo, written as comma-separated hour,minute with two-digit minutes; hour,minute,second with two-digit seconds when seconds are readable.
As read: 3,33
